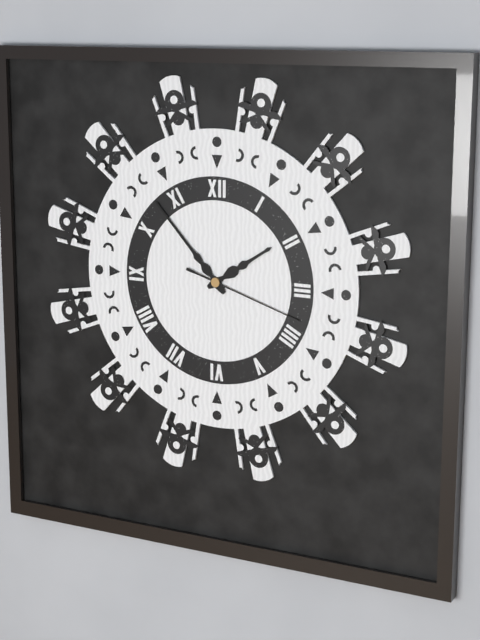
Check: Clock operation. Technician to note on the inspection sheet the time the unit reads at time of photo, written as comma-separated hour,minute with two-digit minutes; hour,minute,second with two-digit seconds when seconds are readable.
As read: 1,53,18
